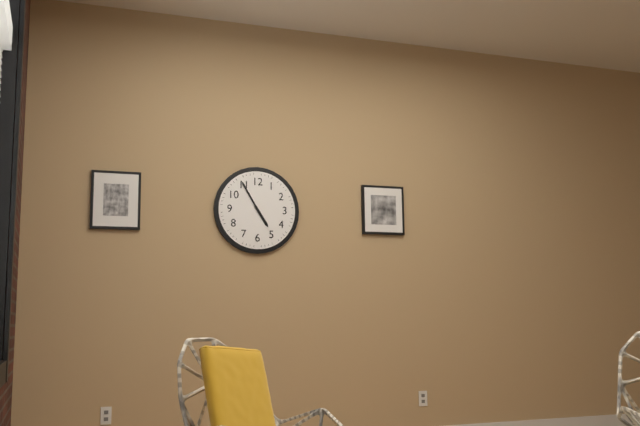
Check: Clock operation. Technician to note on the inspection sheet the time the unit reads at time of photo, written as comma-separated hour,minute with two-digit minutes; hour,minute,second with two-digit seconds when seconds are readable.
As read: 4,55
